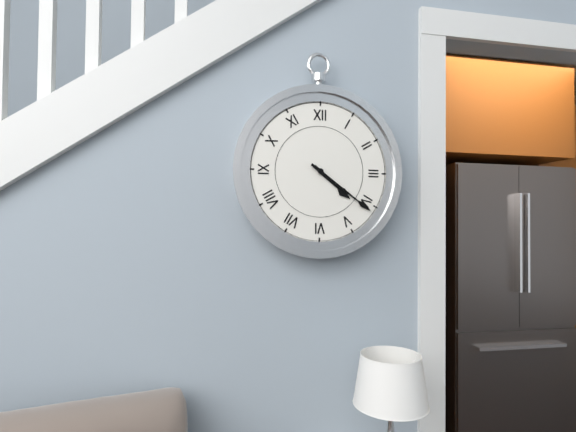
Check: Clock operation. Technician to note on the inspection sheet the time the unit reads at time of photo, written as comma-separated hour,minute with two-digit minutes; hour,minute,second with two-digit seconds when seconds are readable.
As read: 4,21
